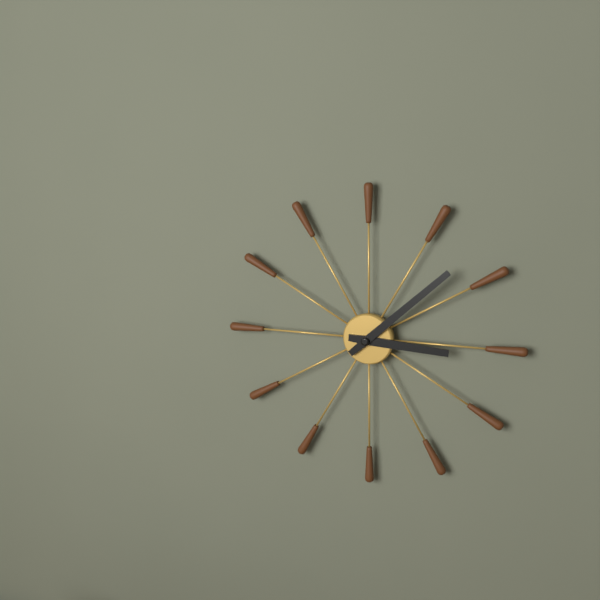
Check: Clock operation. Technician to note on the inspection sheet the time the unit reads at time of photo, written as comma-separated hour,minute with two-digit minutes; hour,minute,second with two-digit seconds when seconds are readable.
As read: 3,08
